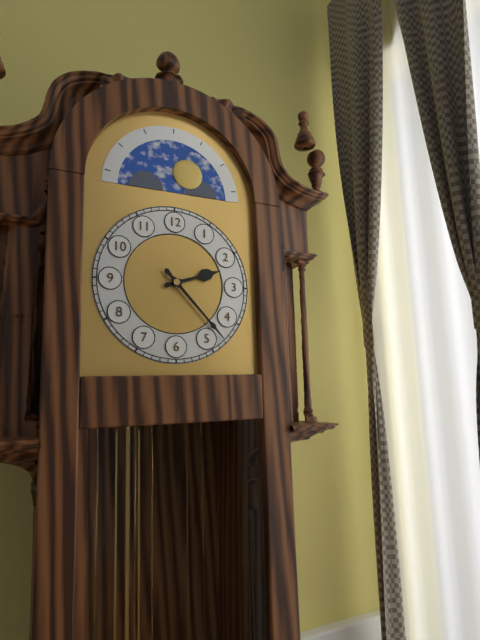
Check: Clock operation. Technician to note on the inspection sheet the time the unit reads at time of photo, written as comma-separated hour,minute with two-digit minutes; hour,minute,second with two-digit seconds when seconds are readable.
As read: 2,23
